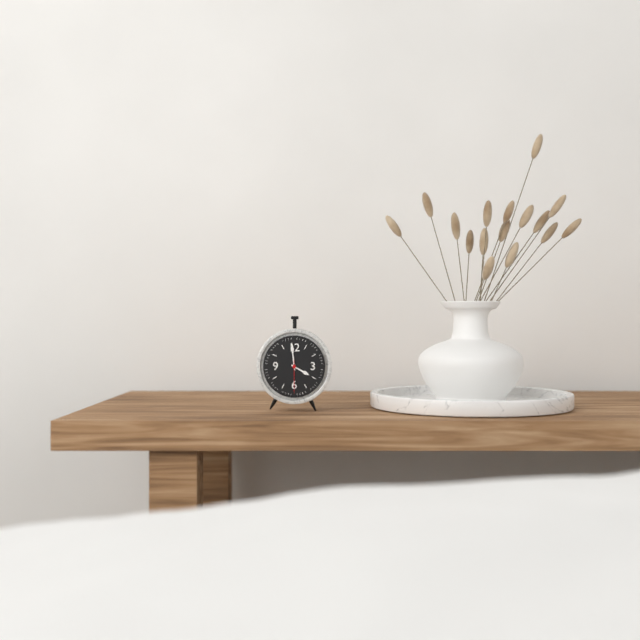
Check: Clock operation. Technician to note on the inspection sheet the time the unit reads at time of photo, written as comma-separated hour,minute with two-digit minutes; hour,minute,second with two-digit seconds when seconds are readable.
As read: 3,59
